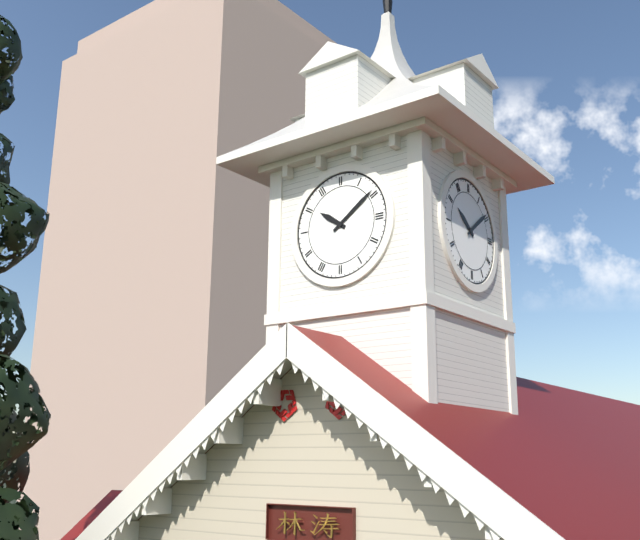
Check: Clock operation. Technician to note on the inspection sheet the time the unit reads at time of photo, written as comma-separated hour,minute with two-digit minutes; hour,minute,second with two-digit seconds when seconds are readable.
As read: 10,09
